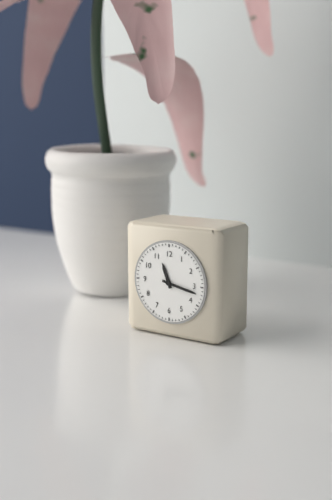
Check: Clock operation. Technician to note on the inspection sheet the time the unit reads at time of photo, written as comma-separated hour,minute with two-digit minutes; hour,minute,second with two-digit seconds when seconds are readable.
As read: 11,17
